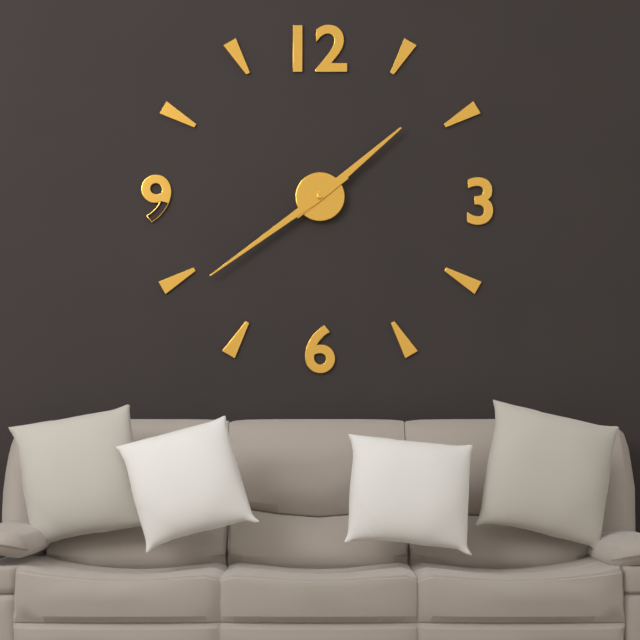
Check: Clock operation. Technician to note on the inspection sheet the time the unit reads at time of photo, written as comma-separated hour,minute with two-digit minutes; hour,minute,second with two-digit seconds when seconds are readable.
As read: 1,39
